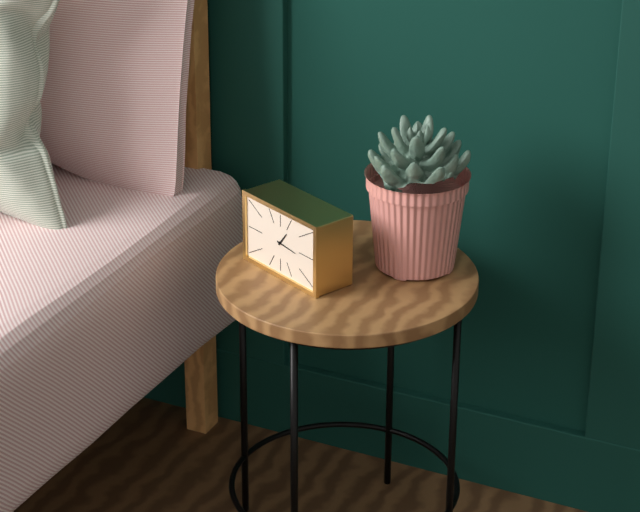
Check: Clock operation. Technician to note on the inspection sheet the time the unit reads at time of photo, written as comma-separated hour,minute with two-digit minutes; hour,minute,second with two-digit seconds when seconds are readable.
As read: 1,16
